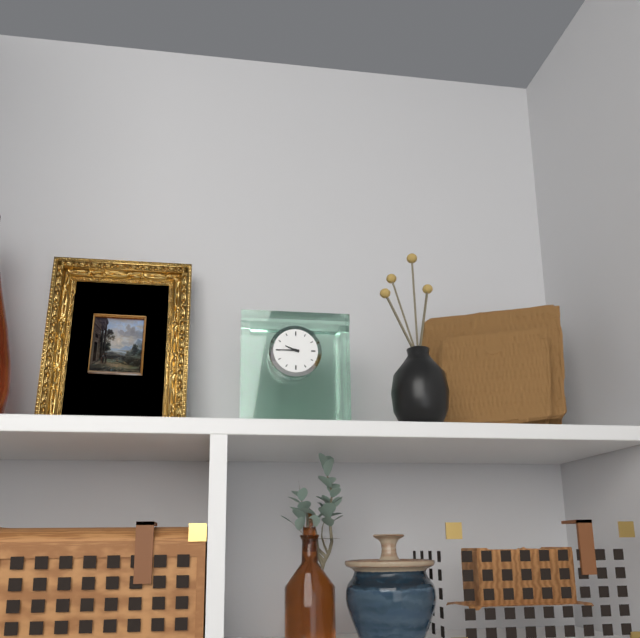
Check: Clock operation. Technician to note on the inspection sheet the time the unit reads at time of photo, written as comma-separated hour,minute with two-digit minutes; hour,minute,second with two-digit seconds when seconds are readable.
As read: 9,45
